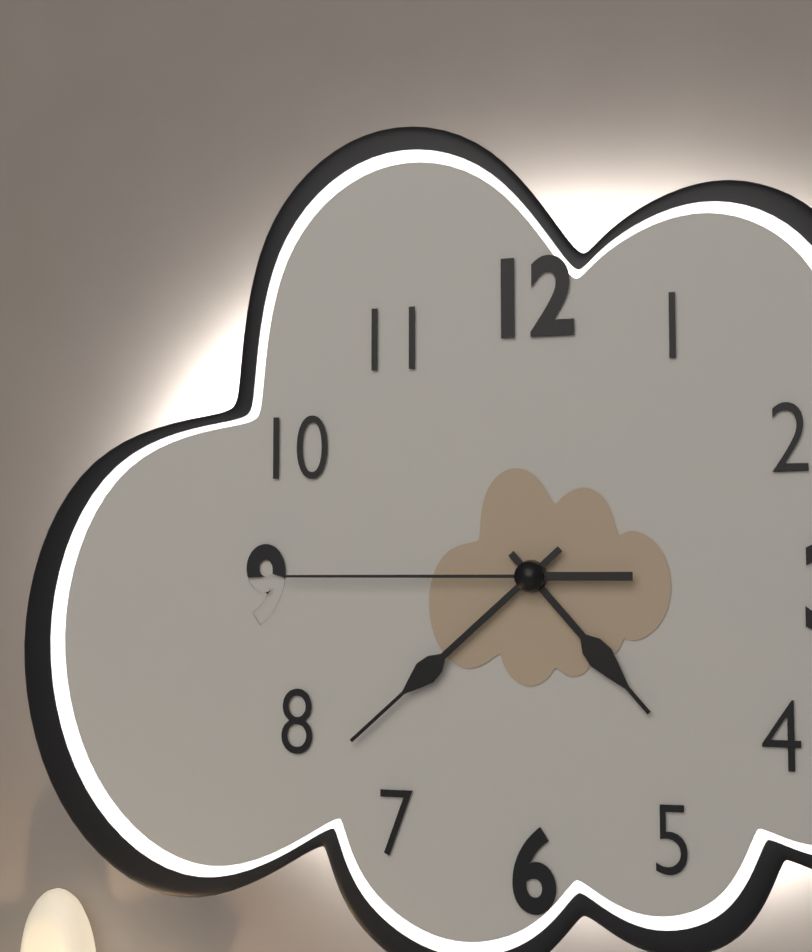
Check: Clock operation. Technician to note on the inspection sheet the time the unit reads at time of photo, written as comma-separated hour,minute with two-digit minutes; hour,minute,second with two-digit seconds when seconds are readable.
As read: 4,38,45
